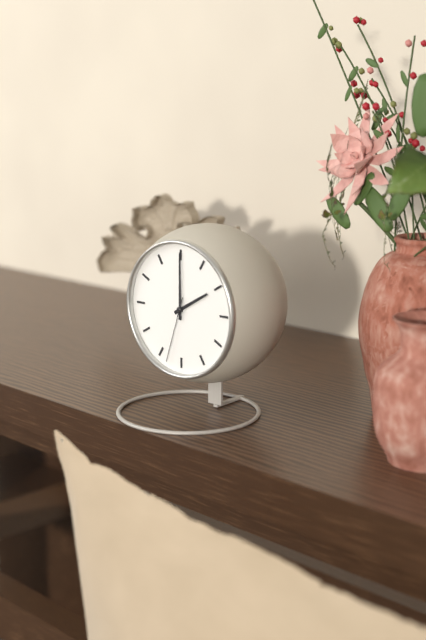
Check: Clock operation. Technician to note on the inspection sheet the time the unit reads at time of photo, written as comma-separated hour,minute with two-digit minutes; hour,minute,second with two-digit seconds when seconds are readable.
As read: 2,00,33
